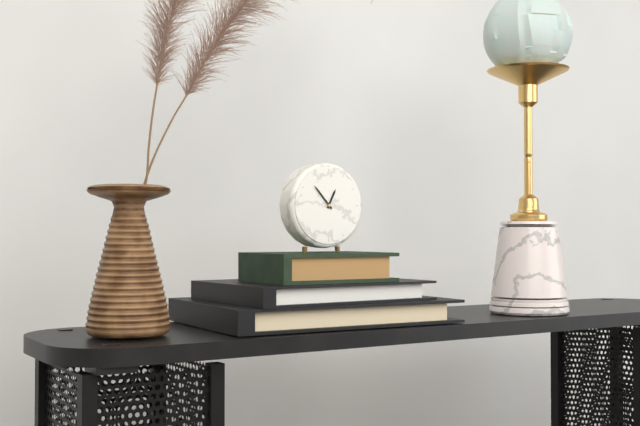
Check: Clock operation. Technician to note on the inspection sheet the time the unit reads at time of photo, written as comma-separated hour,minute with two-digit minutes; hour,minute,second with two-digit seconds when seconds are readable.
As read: 12,53
